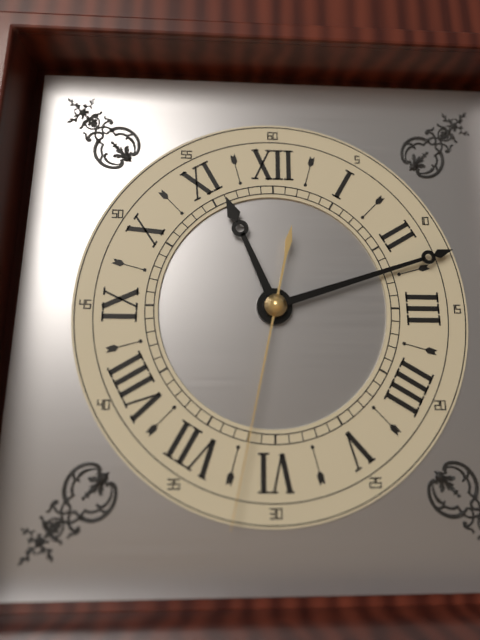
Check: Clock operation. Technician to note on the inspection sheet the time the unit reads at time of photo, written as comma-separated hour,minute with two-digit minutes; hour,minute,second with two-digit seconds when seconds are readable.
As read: 11,12,32
